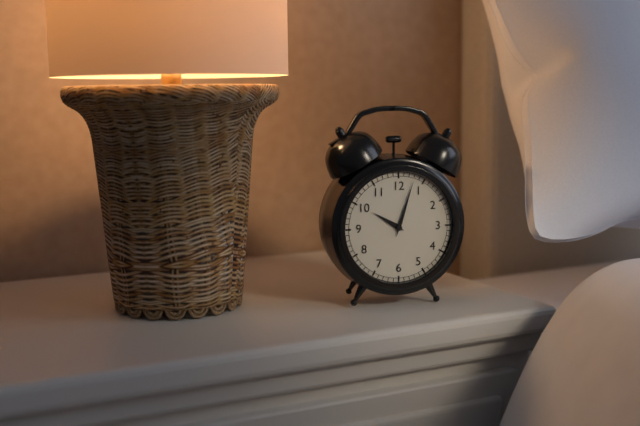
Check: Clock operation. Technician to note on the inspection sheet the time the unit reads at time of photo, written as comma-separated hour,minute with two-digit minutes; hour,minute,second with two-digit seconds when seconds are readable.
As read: 10,03
